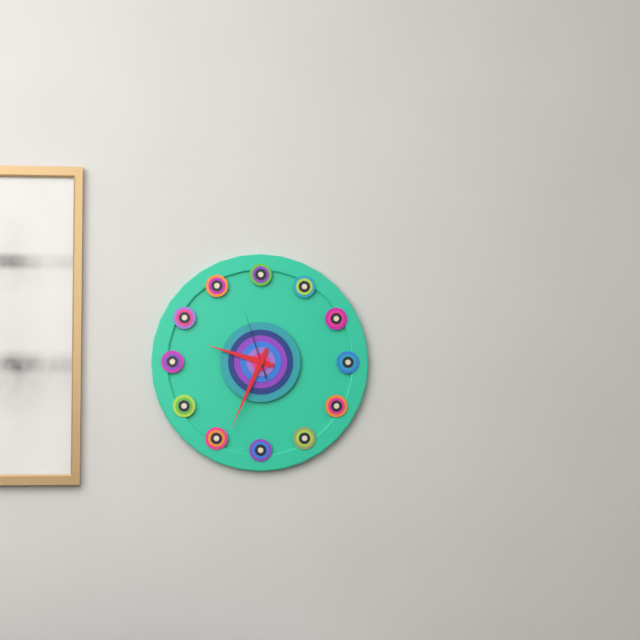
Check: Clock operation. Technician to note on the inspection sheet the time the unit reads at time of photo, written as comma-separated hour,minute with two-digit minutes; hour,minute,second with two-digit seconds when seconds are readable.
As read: 9,34,57
